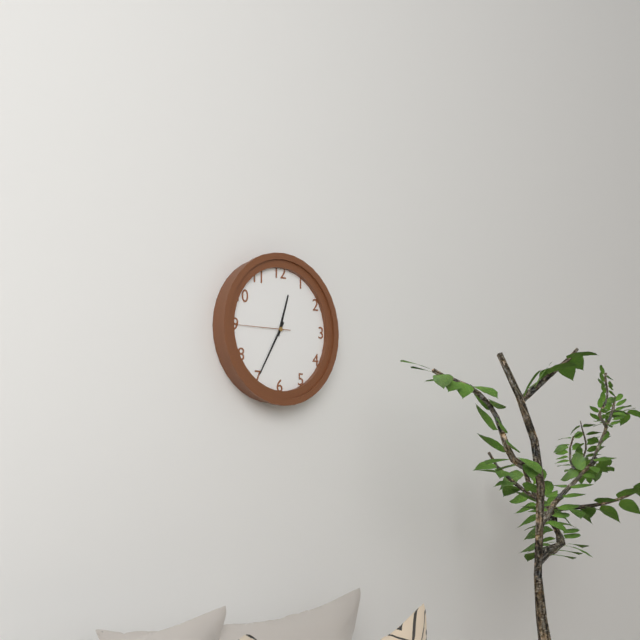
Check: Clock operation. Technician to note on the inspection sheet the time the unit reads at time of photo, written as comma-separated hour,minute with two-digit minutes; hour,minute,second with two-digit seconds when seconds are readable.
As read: 12,35,45
